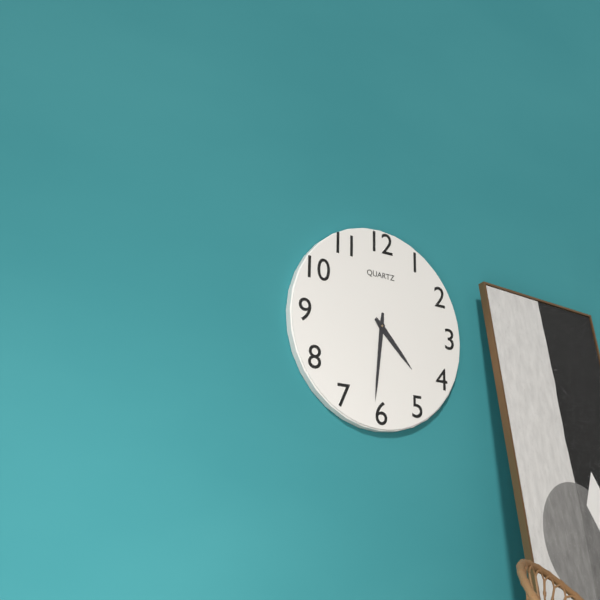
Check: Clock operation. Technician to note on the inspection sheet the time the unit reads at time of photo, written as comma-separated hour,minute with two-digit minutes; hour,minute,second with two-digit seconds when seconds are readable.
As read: 4,31
